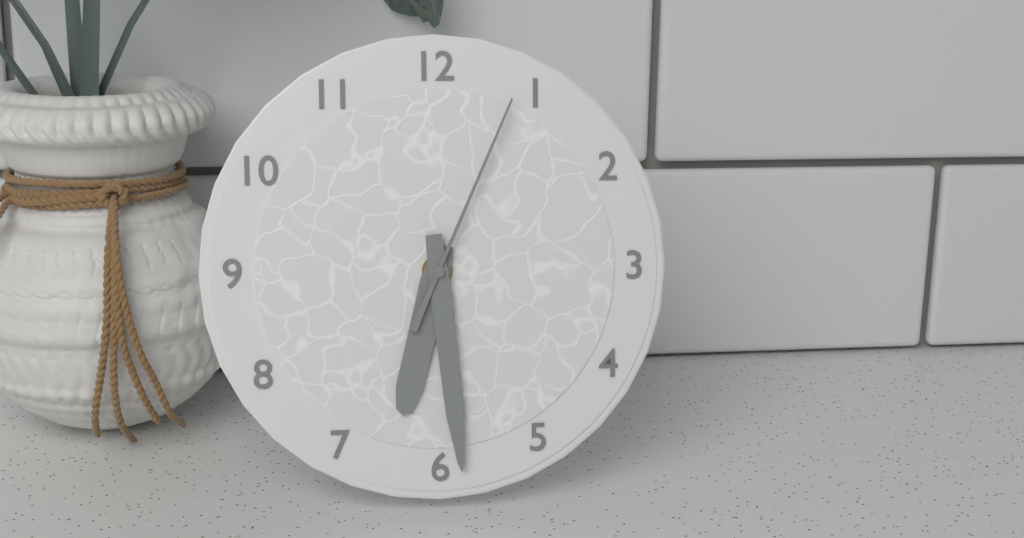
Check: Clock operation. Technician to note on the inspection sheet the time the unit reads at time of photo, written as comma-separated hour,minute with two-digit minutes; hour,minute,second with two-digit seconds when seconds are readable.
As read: 6,29,04
